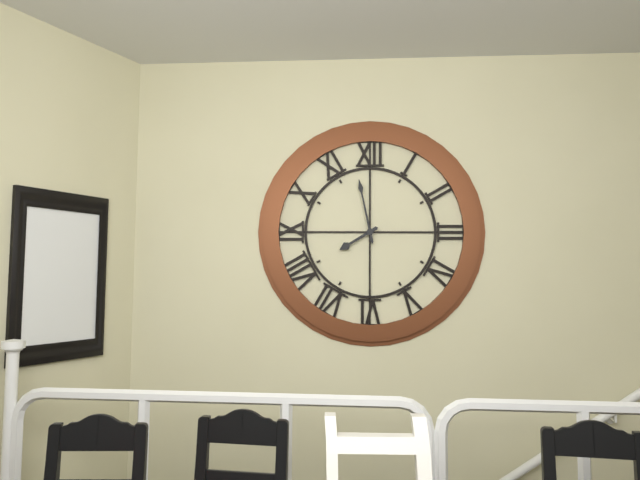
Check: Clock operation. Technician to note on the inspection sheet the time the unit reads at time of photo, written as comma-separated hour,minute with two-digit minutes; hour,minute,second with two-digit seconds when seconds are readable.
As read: 7,58
